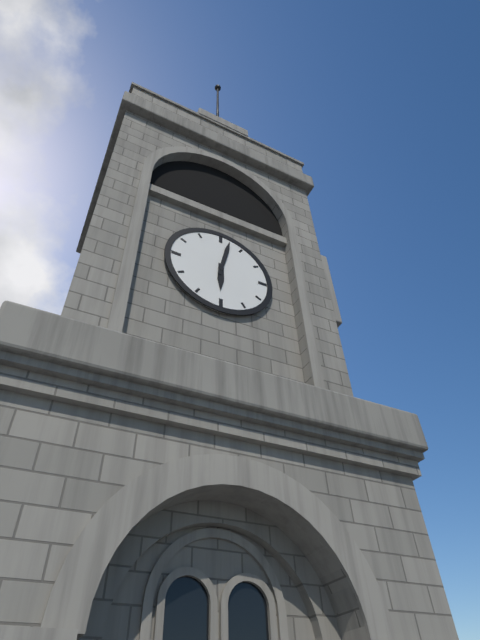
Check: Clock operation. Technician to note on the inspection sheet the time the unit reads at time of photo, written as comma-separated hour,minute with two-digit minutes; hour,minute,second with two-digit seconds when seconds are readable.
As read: 6,02
